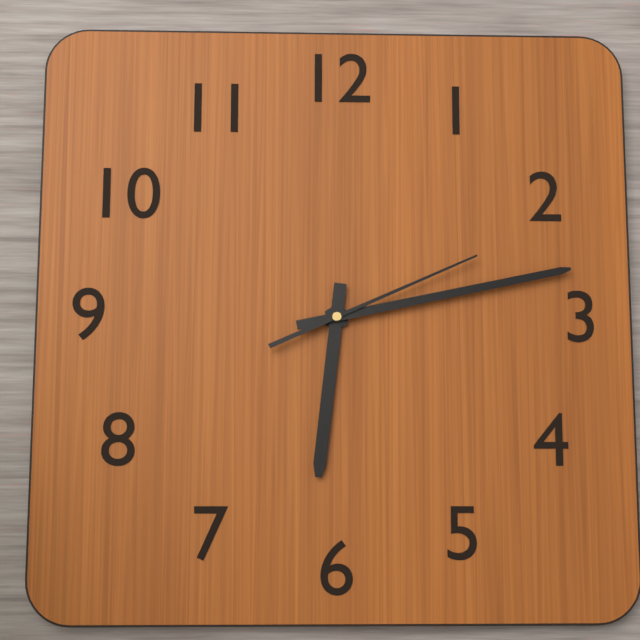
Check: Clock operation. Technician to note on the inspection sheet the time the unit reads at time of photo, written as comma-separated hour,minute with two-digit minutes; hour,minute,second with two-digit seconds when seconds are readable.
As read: 6,13,11
